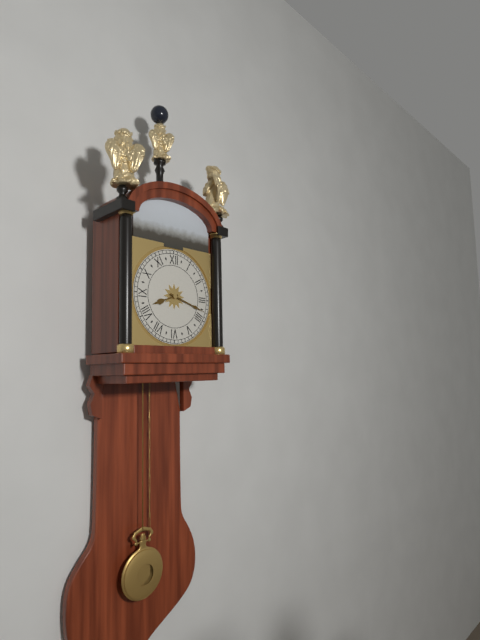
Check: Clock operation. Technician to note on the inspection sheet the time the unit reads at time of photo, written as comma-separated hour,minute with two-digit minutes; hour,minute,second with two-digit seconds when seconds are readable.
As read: 8,18
